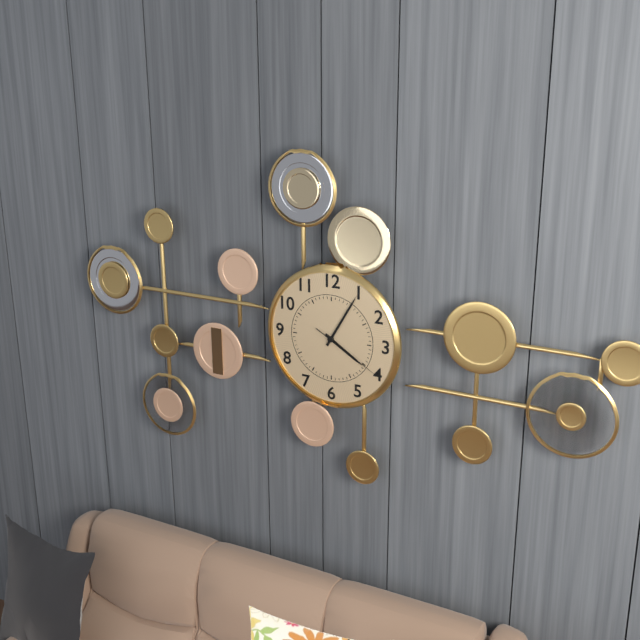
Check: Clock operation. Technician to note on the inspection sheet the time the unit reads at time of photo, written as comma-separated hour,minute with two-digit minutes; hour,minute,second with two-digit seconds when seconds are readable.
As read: 4,05,20
